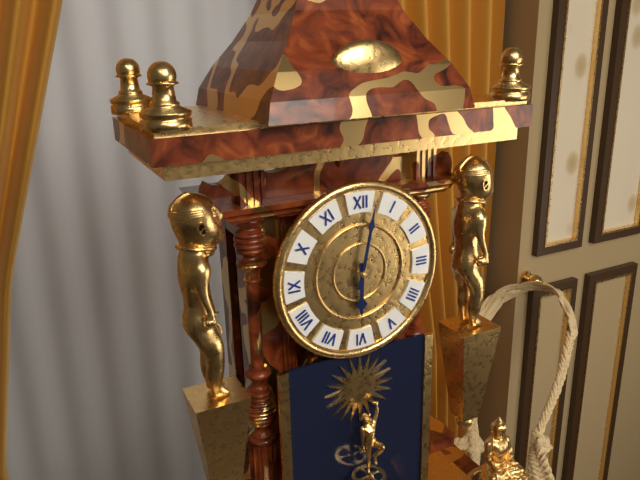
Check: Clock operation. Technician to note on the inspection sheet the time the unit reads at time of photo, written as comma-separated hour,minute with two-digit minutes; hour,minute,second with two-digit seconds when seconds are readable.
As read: 6,02
